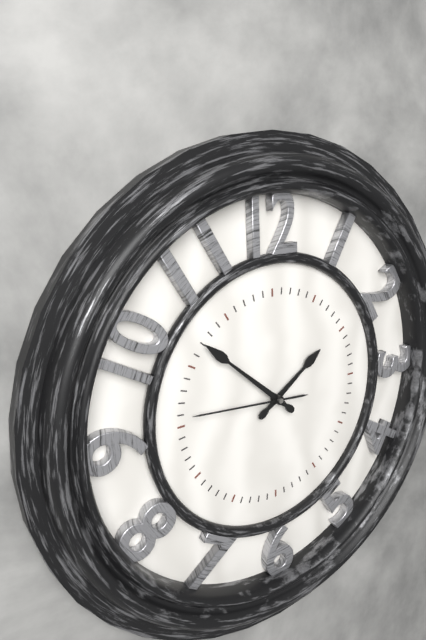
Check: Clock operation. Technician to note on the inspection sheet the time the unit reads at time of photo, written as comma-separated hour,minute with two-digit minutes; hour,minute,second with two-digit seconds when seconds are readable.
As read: 1,52,46
